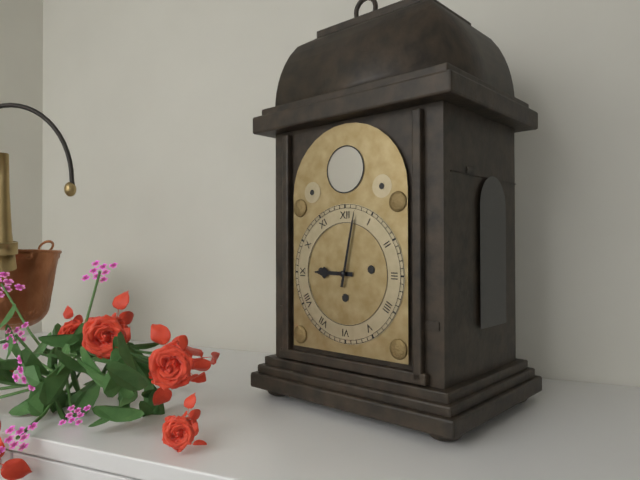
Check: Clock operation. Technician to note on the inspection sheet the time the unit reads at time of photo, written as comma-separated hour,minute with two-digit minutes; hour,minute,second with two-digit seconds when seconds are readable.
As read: 9,02
